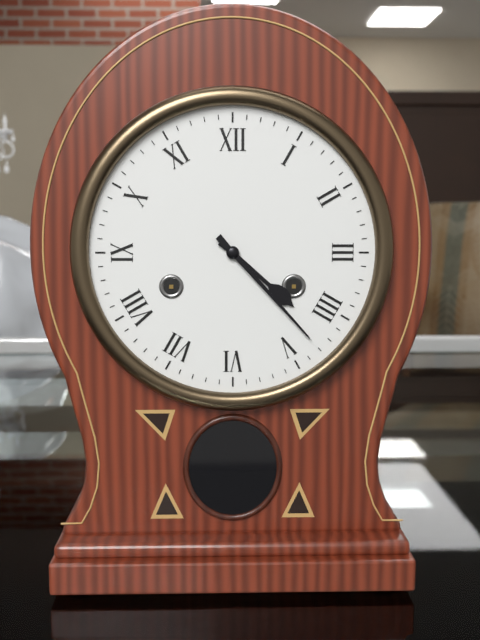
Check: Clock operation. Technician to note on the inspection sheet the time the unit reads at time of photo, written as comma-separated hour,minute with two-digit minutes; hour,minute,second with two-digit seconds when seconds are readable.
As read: 4,23
